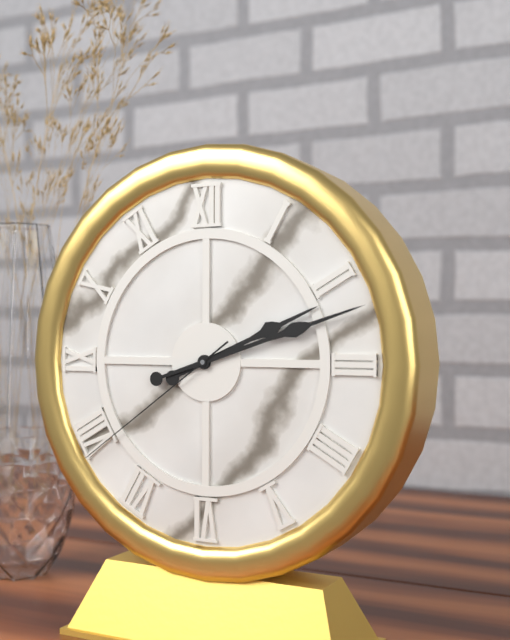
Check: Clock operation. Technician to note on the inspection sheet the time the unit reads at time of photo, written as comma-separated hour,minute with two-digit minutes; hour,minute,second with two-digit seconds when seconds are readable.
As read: 2,12,39
